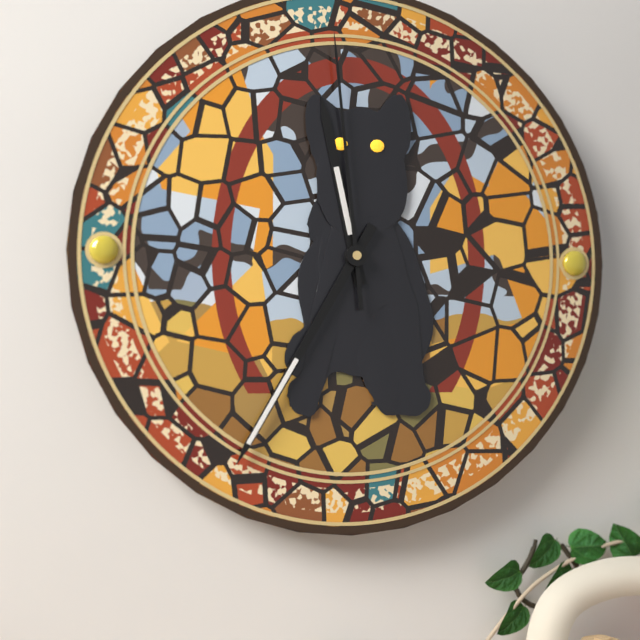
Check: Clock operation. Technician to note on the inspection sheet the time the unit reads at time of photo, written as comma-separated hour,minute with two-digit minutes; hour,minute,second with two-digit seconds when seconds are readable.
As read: 11,35,59
